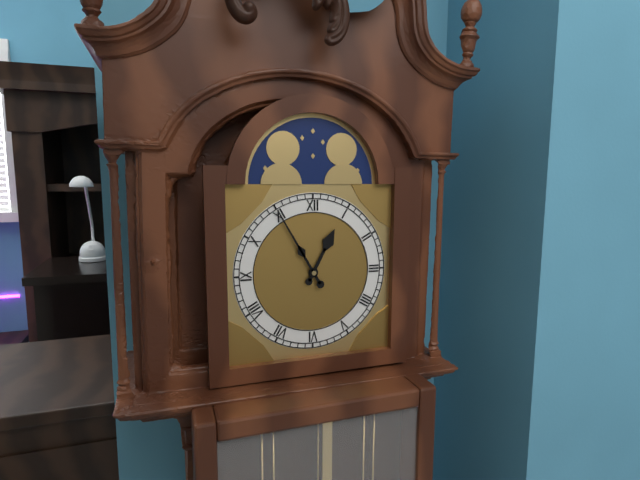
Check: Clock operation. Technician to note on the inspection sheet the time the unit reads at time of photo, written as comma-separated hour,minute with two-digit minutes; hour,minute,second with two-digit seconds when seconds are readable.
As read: 12,55
